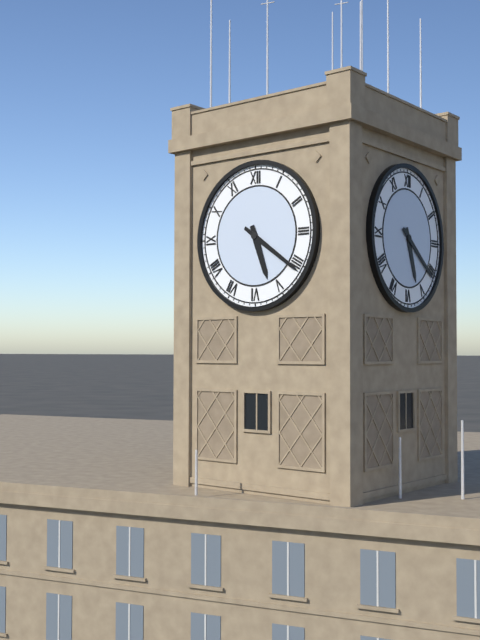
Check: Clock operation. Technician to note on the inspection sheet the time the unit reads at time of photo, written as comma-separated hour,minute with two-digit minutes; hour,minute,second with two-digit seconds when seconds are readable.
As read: 5,21
